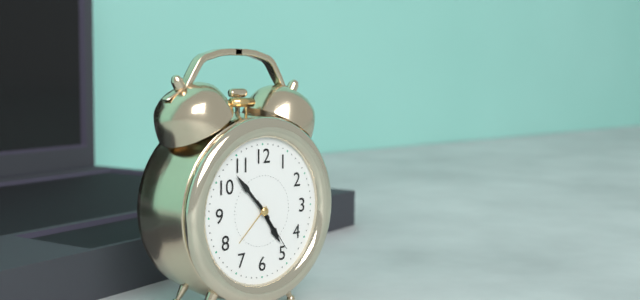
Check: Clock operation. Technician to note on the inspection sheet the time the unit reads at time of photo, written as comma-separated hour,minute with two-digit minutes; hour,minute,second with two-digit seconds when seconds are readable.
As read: 4,53,24
